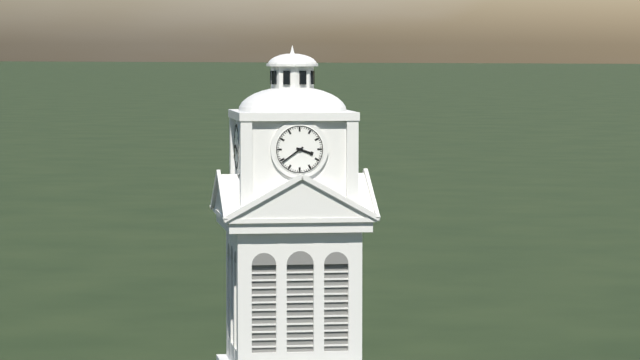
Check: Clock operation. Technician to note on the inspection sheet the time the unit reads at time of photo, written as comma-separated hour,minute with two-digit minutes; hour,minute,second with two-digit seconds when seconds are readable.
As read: 3,39
